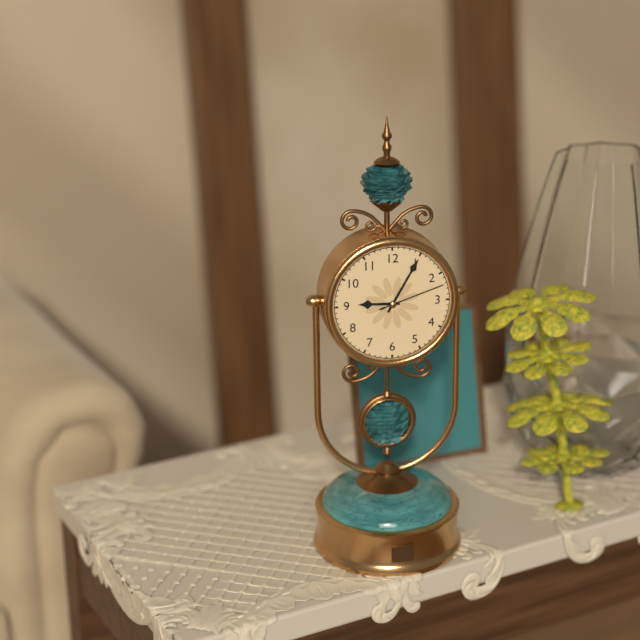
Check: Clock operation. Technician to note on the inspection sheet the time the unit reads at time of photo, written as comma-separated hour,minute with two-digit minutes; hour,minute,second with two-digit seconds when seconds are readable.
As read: 9,05,12
